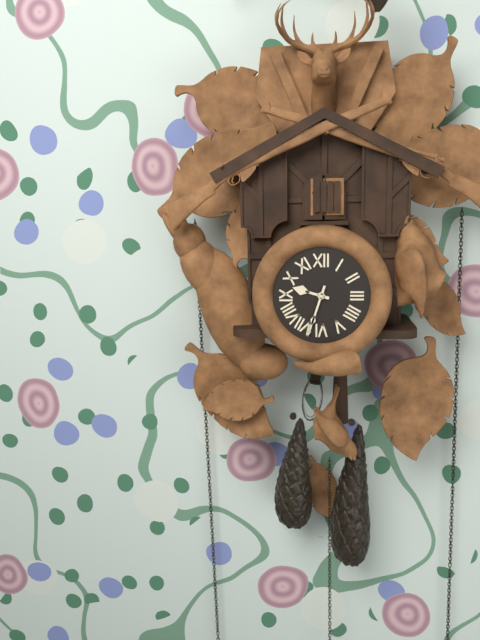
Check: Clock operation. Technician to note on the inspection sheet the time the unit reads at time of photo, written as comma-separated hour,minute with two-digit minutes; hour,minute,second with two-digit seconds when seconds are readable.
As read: 9,33
